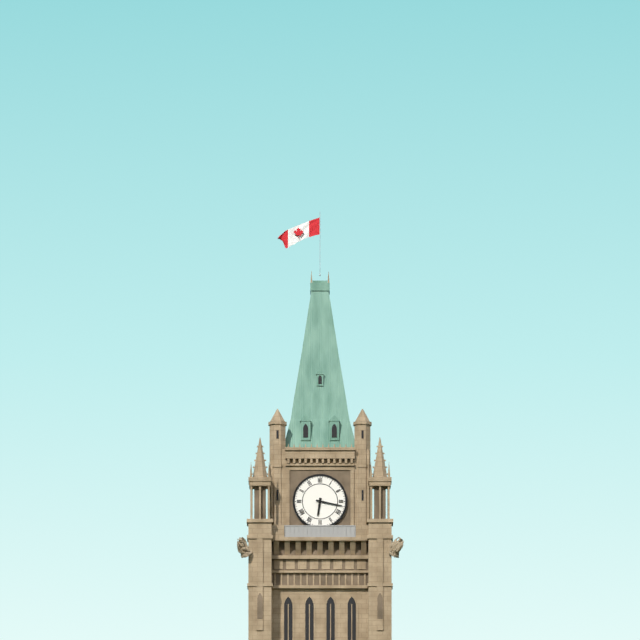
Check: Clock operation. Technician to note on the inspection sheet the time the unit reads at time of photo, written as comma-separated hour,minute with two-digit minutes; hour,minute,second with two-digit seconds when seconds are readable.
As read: 6,17
